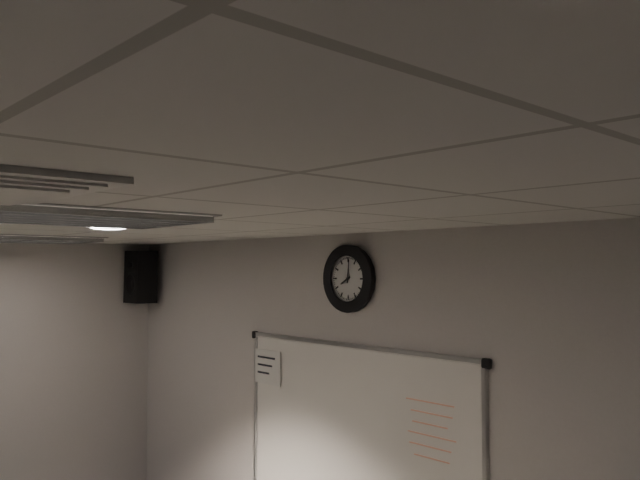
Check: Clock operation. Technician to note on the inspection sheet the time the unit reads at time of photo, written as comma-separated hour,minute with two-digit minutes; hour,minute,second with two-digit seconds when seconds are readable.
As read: 8,01
